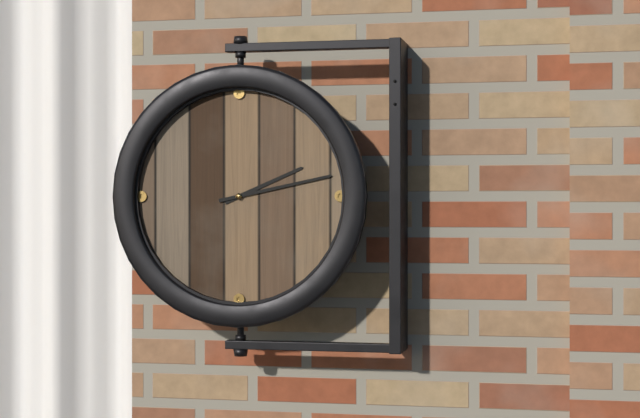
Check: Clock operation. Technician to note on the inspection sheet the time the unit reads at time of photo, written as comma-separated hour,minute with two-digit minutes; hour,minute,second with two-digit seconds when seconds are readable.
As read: 2,13
